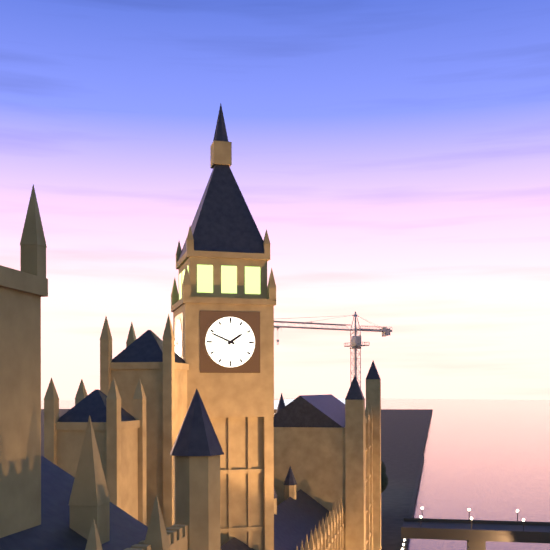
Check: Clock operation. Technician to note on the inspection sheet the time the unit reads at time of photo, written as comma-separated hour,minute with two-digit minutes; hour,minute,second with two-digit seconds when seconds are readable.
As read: 1,49
